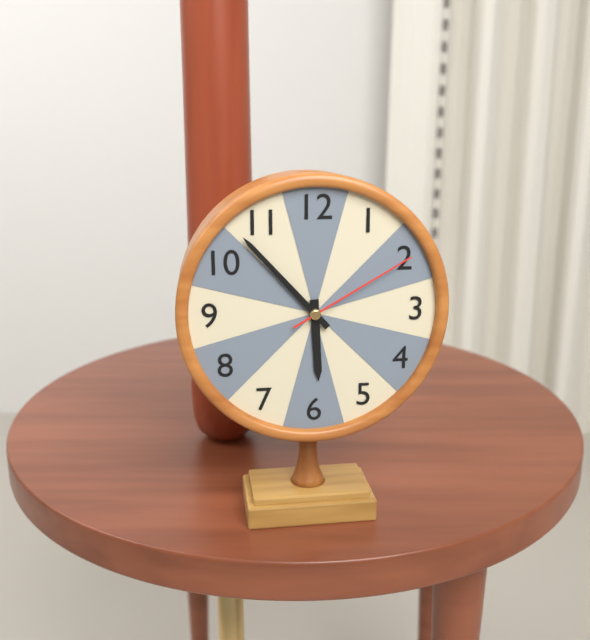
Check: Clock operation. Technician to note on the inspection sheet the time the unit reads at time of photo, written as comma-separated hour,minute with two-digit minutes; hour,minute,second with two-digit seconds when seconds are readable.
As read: 5,53,10
